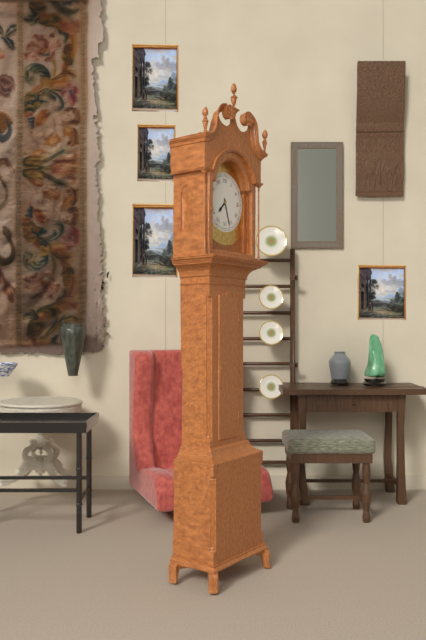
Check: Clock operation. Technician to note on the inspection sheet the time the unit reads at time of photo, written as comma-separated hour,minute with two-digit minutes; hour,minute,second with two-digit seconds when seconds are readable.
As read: 7,27
